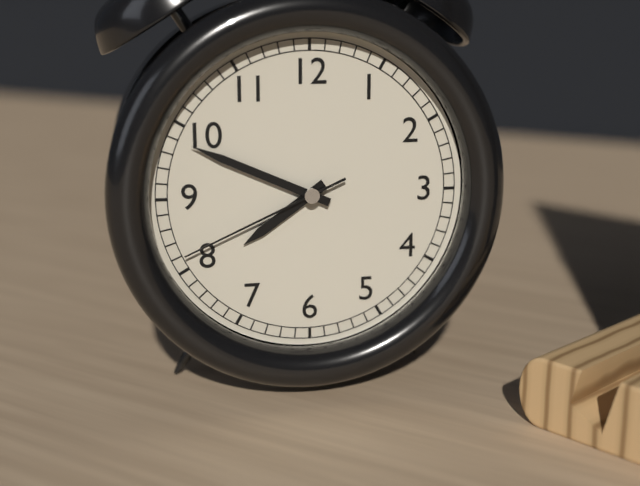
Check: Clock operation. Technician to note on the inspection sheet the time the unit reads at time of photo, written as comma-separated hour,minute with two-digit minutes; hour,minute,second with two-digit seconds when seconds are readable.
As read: 7,49,41
